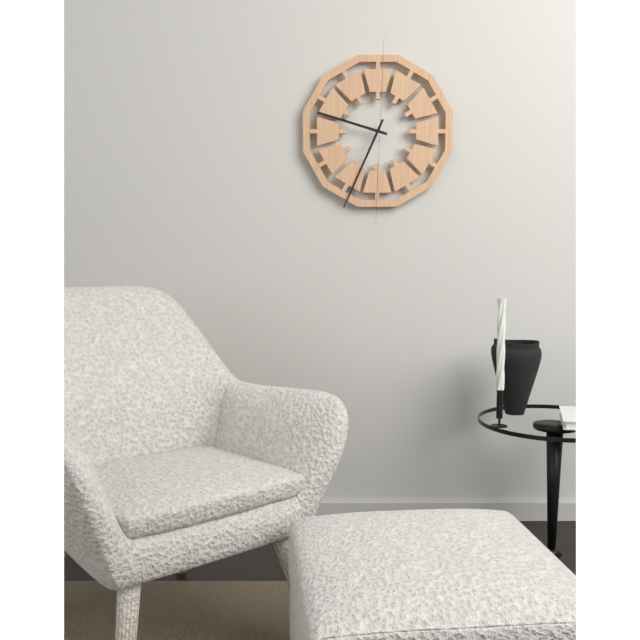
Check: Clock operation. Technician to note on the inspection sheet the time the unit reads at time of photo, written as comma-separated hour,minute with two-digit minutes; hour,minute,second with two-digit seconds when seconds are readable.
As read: 9,34
